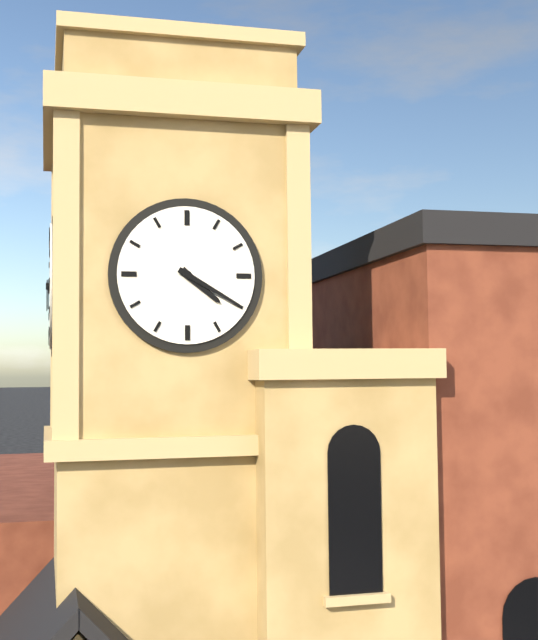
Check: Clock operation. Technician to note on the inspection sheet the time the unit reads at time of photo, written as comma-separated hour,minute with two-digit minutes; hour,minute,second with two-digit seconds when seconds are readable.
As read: 4,20
